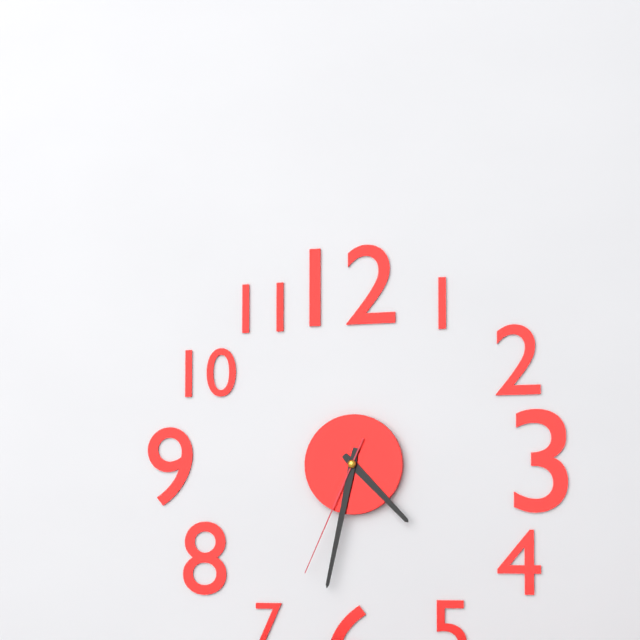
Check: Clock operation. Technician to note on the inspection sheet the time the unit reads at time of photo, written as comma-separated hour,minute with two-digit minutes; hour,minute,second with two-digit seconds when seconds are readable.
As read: 4,32,34
